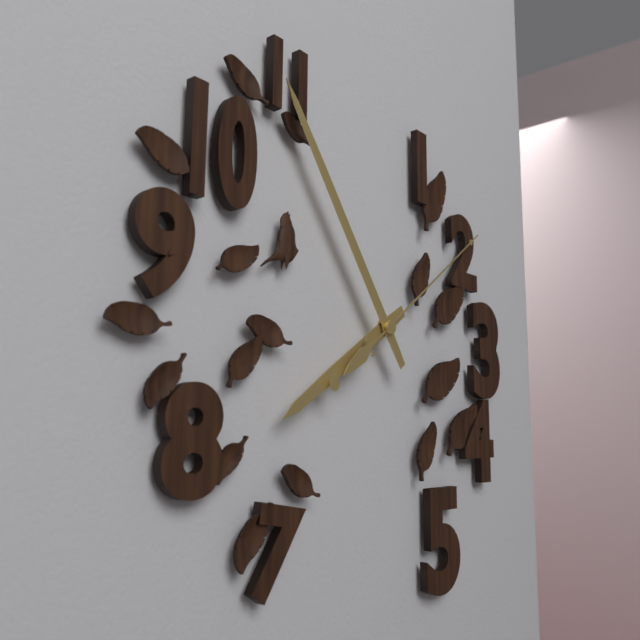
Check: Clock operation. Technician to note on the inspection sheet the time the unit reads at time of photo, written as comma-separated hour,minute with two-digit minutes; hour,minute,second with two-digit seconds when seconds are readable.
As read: 7,54,09
